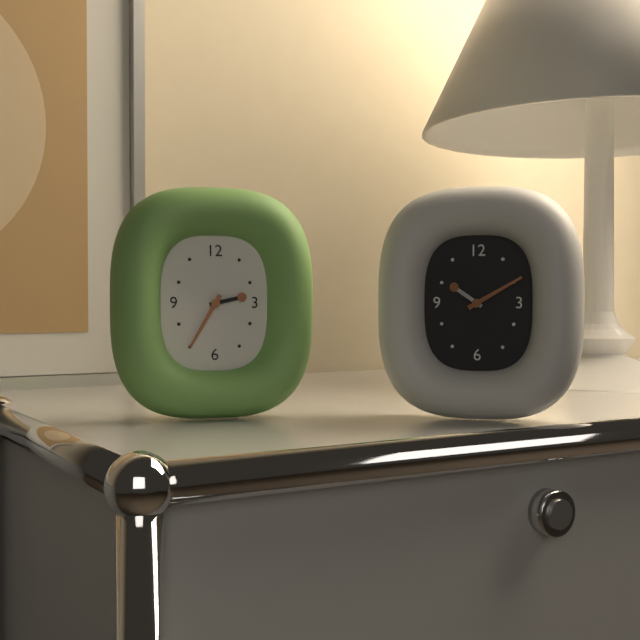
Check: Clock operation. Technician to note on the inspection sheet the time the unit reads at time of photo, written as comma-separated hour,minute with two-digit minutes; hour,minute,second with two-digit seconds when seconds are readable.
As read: 2,35
